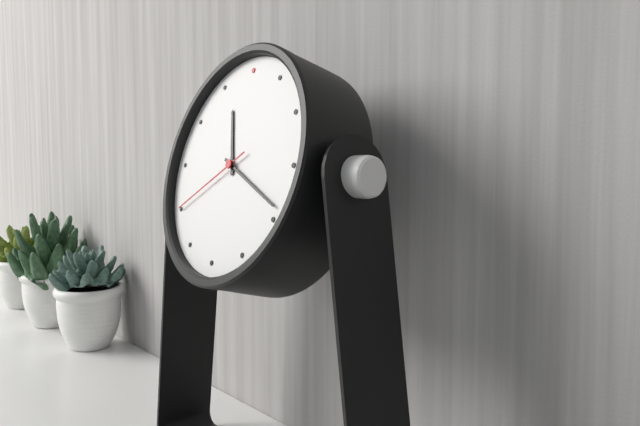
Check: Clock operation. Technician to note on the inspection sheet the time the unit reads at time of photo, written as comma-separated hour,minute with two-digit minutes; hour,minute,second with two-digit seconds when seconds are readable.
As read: 11,19,40
